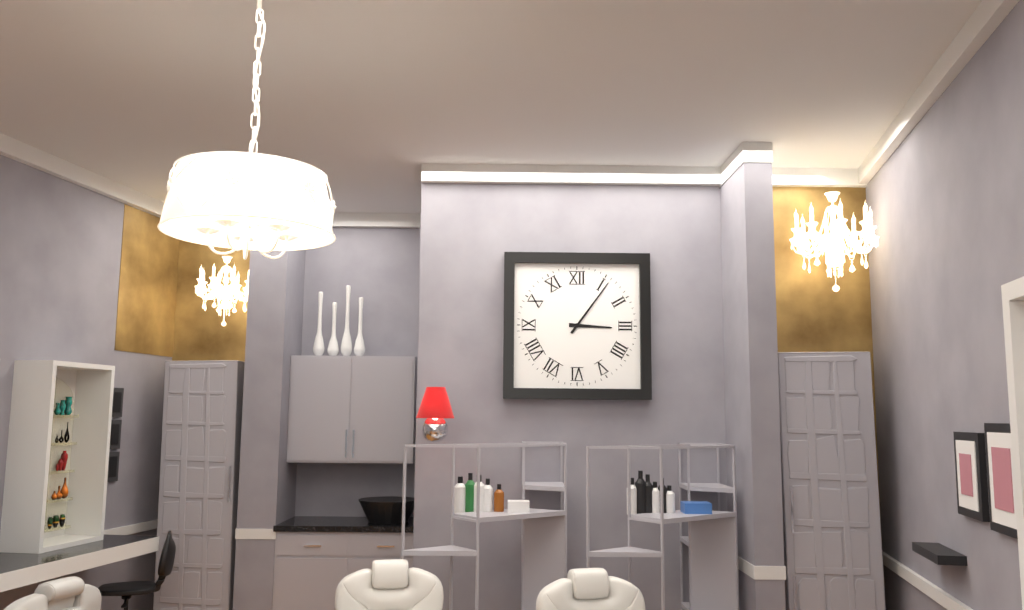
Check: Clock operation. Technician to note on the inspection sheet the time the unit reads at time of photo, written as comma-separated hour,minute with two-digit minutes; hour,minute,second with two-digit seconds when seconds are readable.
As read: 3,06
